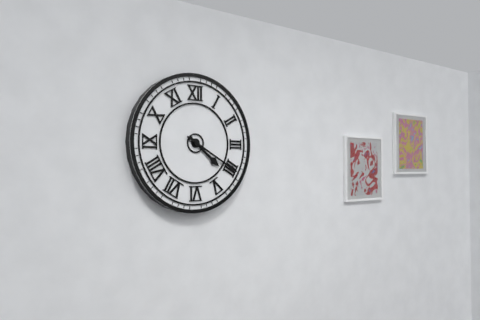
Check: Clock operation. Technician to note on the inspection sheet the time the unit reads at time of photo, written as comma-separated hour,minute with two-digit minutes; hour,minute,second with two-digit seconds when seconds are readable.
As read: 4,20
